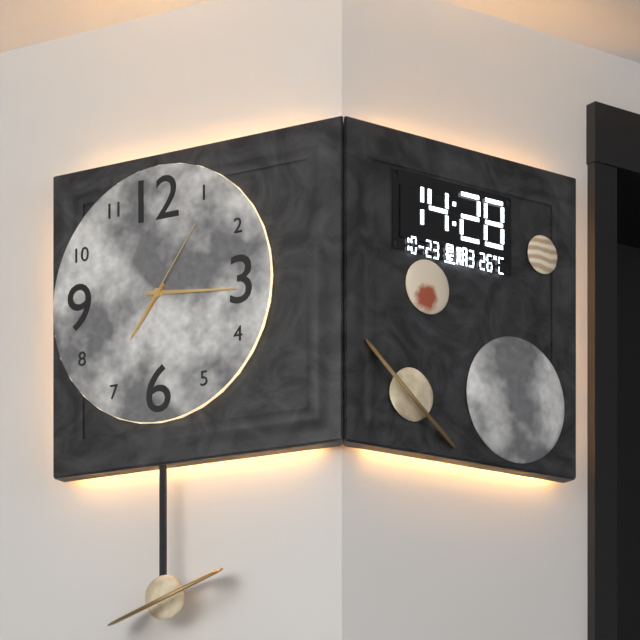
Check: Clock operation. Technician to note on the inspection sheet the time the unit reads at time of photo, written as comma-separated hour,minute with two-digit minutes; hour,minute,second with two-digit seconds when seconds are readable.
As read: 7,16,06
